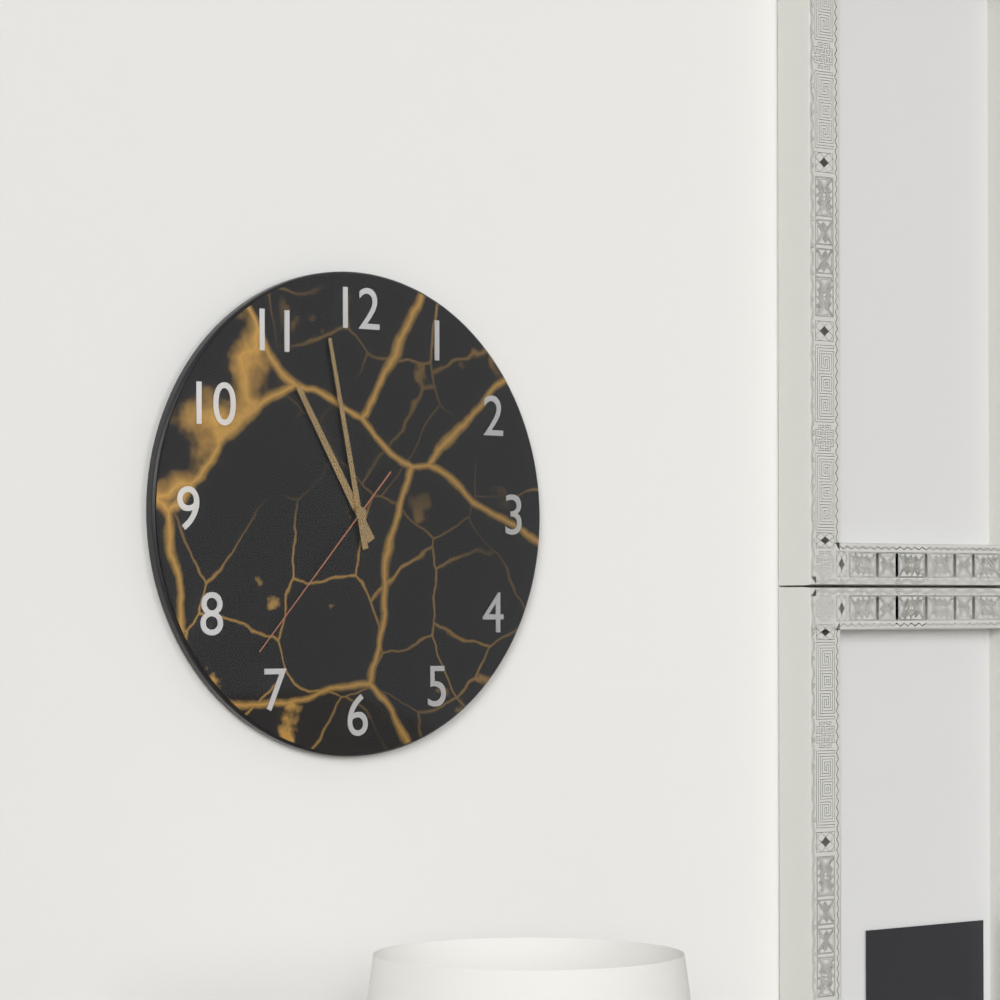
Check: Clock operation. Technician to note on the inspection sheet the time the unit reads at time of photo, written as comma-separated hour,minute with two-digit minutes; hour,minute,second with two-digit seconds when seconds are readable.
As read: 10,58,37
